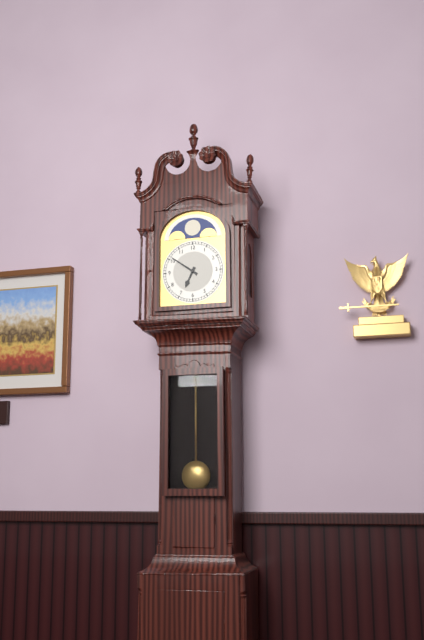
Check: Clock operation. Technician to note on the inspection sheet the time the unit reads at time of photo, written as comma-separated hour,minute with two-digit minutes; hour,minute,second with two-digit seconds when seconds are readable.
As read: 6,51
